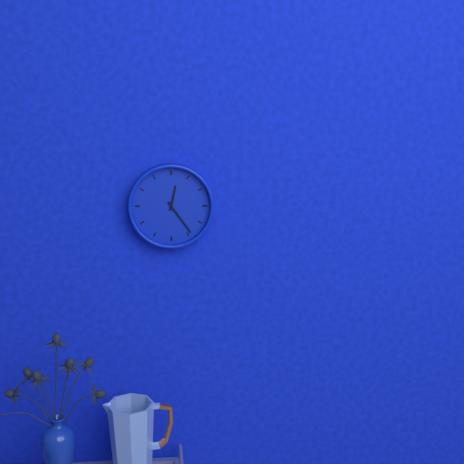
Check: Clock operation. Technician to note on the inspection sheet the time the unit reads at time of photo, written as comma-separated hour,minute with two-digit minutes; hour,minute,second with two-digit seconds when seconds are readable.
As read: 12,24
